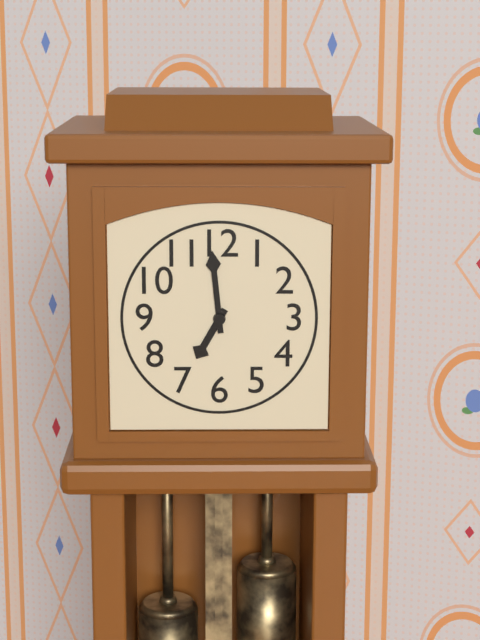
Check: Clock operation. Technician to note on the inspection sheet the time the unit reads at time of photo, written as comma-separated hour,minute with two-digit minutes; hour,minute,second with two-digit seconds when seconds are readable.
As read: 6,59
